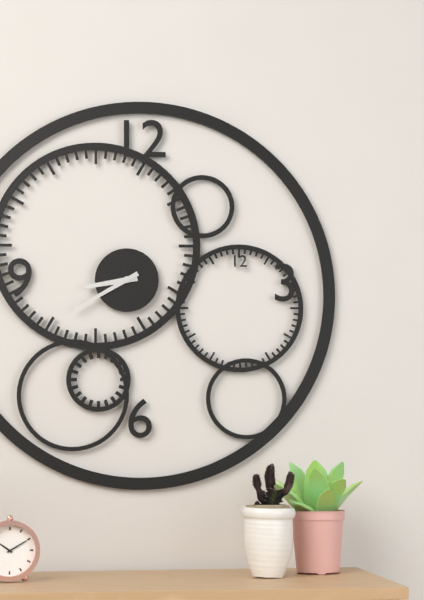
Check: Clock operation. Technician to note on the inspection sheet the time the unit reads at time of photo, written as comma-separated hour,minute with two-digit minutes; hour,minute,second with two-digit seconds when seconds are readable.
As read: 8,40
